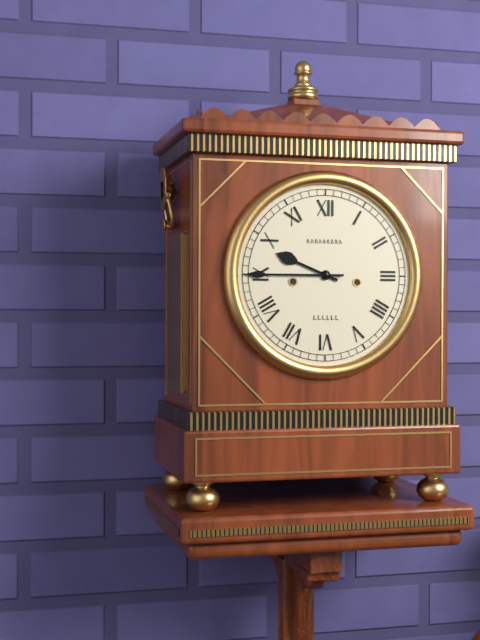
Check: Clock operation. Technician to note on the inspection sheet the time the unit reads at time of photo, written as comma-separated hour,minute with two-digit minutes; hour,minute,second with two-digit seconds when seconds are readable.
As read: 9,45
